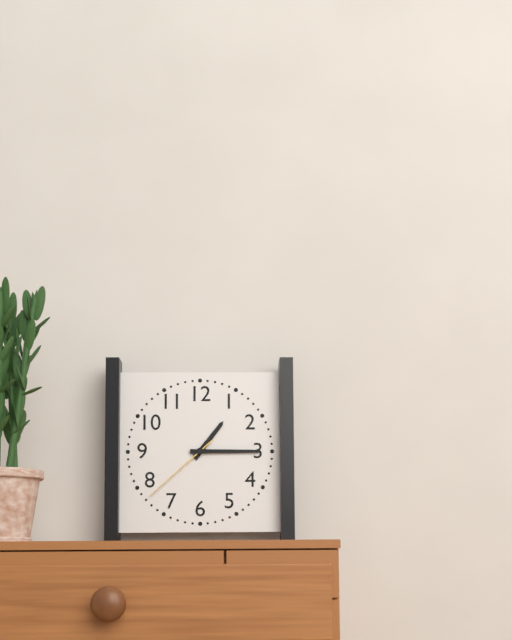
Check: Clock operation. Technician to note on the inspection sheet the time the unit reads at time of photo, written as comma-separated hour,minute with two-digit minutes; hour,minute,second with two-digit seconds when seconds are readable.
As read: 1,15,38
